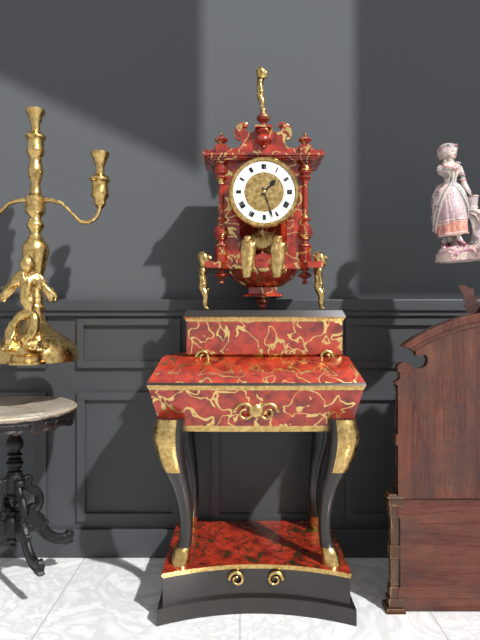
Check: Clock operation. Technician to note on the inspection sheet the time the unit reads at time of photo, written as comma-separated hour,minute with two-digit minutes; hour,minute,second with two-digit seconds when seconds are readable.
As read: 1,27
